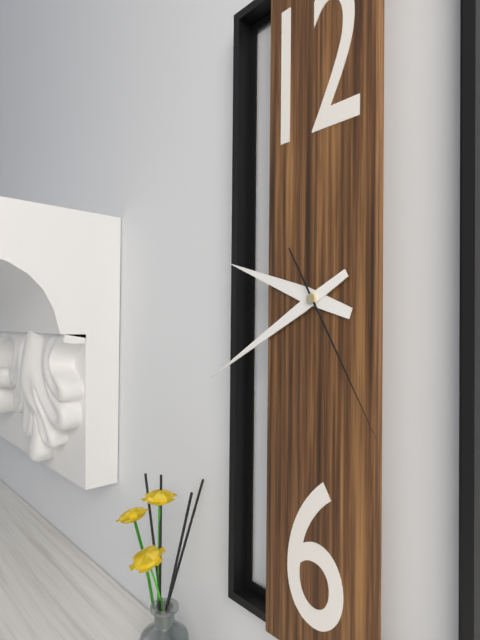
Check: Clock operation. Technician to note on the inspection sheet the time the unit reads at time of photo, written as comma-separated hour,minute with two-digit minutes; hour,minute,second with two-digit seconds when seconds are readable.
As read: 9,40,25
